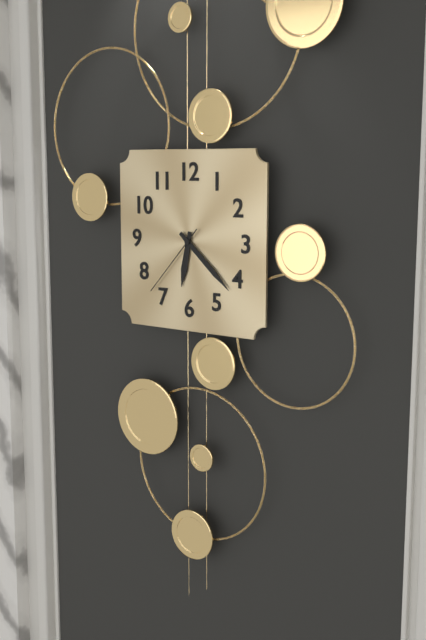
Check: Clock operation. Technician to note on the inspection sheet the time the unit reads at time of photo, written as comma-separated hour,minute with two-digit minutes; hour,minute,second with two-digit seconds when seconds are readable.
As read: 6,22,37
